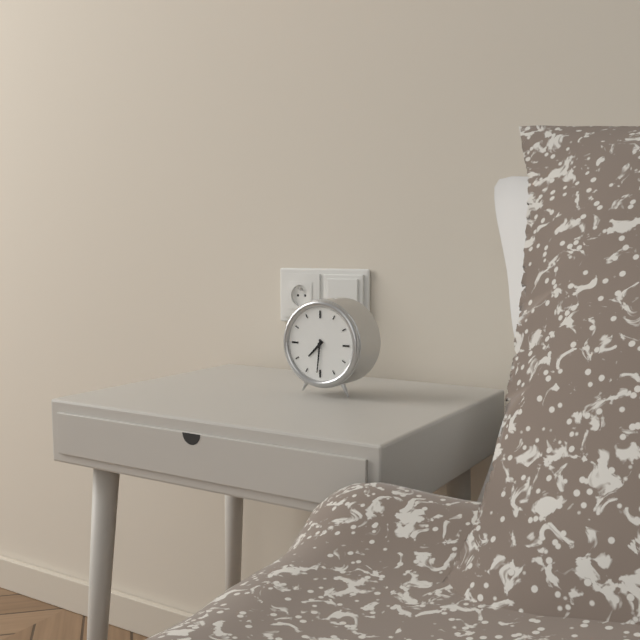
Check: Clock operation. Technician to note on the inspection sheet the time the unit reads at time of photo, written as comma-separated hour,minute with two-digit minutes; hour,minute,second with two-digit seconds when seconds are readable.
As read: 7,31
